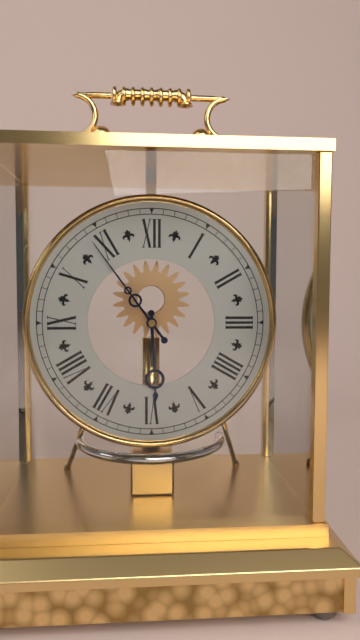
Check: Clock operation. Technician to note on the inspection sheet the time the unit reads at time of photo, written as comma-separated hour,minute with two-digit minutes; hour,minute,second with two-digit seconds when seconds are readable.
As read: 5,54
